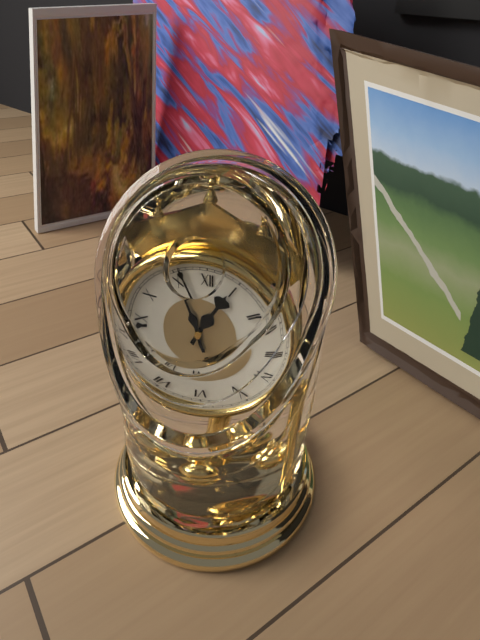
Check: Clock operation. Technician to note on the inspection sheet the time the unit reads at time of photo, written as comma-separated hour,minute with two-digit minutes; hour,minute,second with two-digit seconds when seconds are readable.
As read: 12,56
